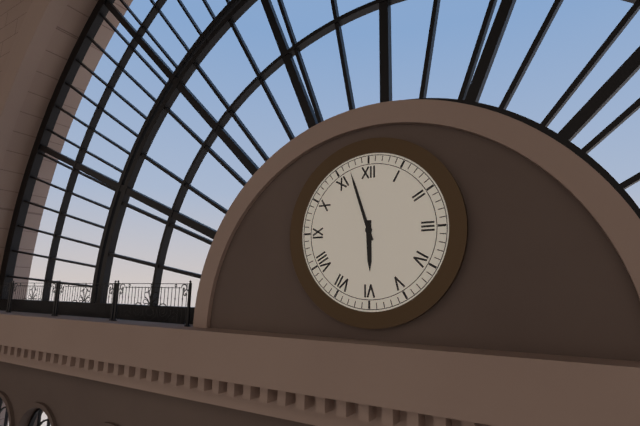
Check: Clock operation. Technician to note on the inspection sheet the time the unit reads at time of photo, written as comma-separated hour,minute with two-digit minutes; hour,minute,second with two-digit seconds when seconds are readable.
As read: 5,57
